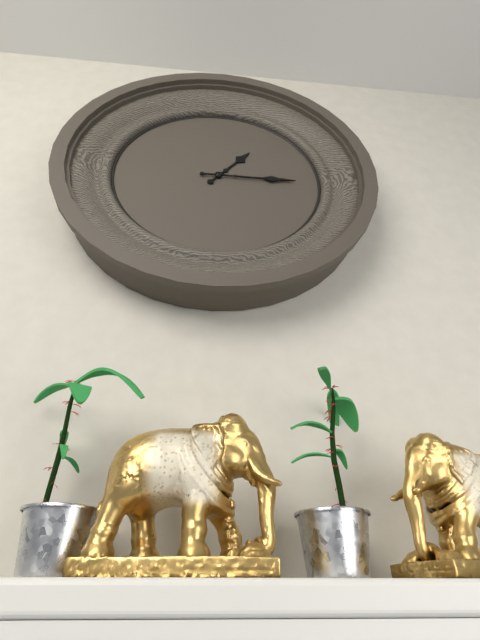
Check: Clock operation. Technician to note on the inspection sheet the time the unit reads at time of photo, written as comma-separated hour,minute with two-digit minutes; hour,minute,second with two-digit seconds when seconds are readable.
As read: 1,15
